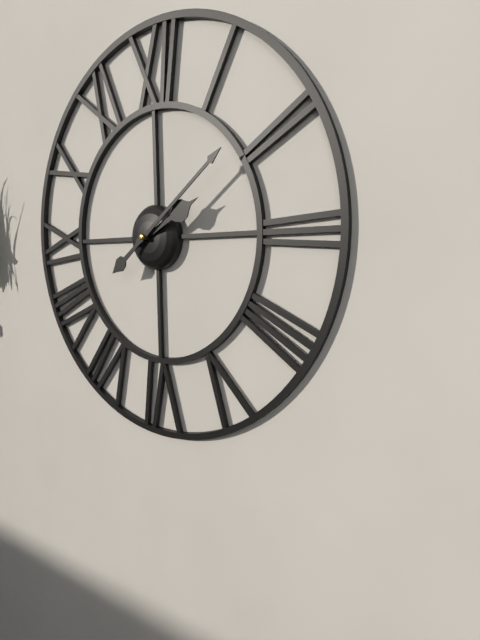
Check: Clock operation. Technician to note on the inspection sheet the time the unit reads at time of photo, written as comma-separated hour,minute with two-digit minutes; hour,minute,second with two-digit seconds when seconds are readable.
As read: 2,09
